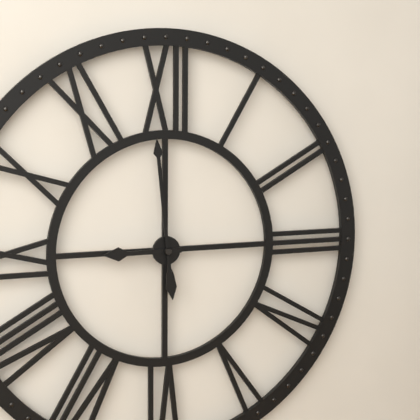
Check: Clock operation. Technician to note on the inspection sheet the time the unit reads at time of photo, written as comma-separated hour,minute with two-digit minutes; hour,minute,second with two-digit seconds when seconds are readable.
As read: 8,59
